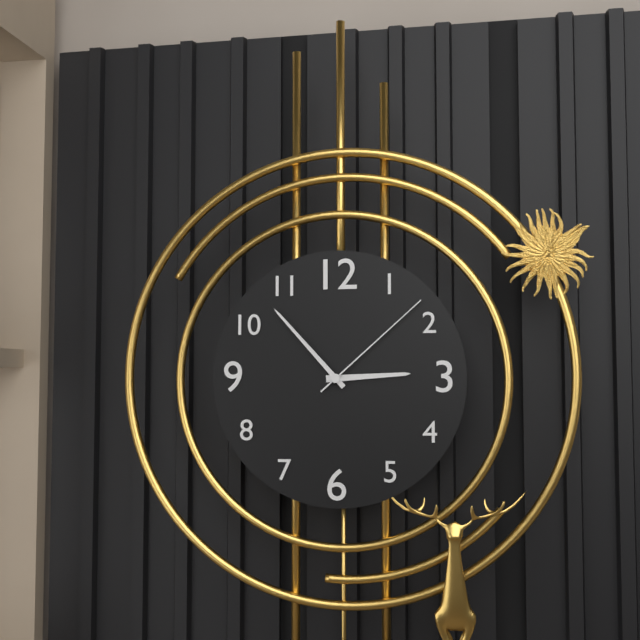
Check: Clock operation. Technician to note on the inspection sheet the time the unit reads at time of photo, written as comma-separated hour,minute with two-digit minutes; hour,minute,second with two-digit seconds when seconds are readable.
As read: 2,53,08
